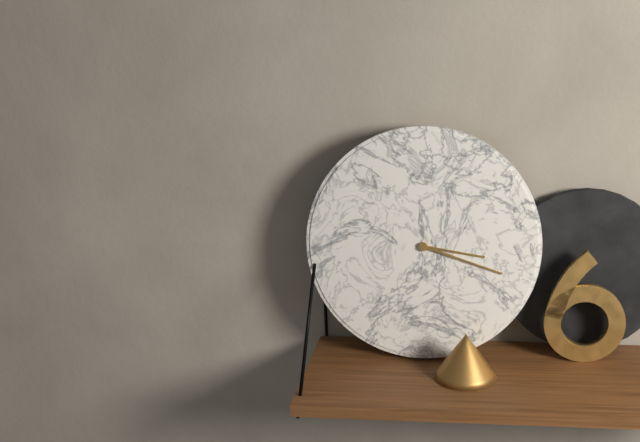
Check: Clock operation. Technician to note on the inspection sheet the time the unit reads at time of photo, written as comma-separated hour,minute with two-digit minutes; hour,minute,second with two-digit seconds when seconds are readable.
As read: 3,18
